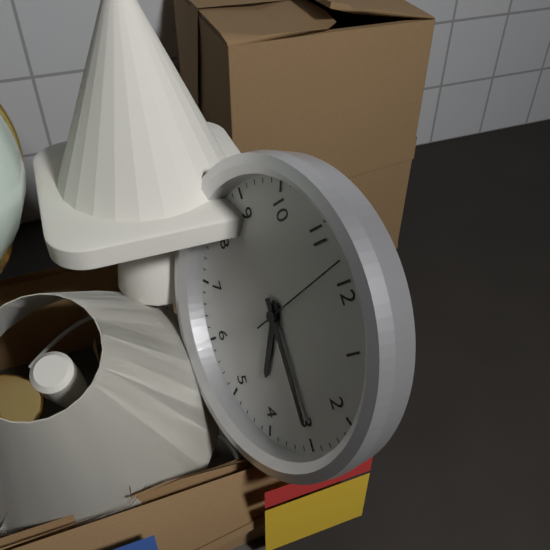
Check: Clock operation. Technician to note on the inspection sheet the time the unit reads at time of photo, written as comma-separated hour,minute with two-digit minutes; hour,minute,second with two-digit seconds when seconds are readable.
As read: 4,15,58
